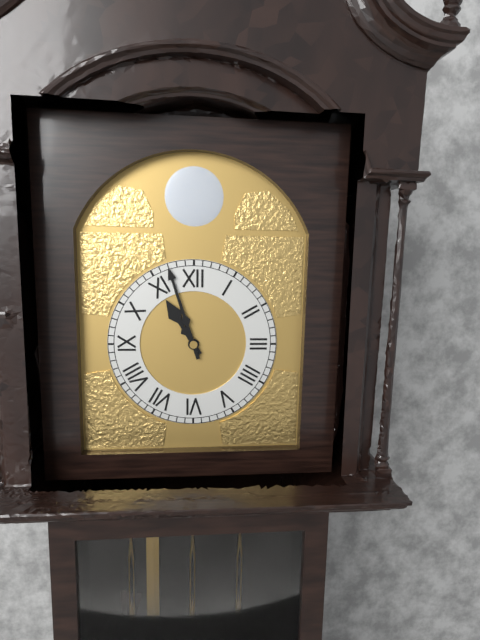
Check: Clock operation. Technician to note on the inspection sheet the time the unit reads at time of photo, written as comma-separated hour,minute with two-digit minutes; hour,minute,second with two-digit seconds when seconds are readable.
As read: 10,57
